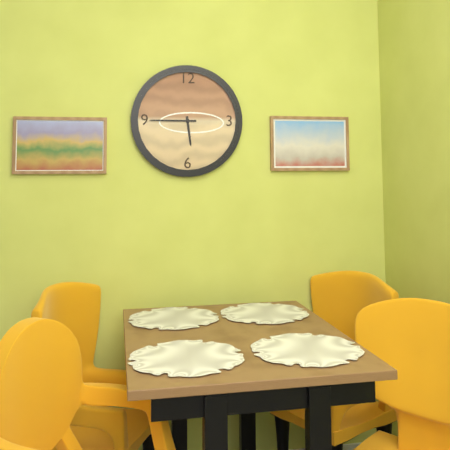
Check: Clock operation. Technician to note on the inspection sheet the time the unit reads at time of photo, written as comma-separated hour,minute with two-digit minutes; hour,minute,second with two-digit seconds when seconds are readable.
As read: 5,45
